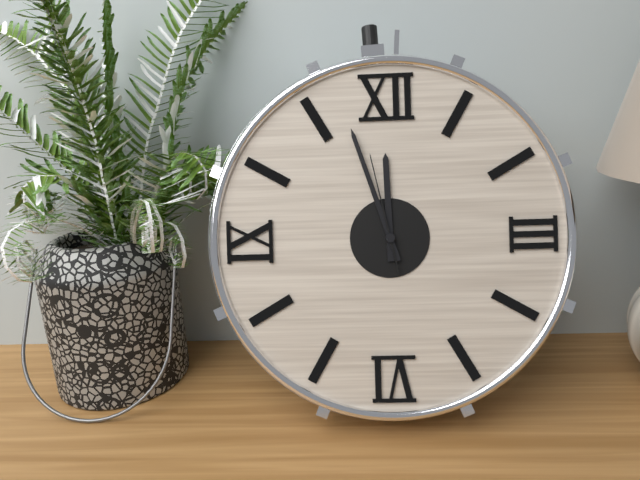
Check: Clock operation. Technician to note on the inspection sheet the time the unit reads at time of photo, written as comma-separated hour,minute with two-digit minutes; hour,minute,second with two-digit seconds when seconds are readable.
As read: 11,57,58
